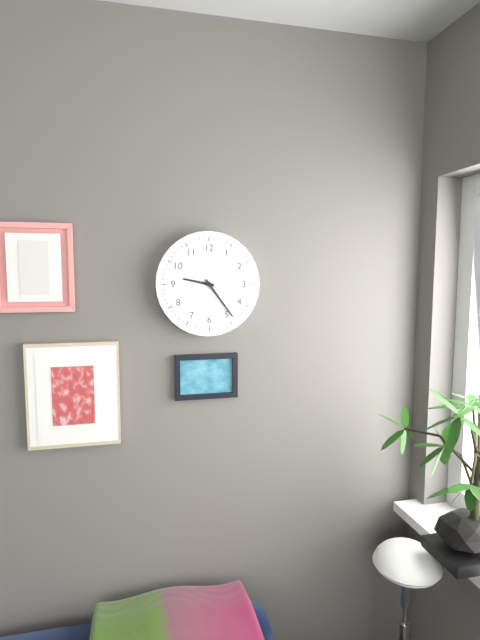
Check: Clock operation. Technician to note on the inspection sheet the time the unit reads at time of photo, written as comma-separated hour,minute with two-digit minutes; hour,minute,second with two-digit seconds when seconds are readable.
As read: 9,24
